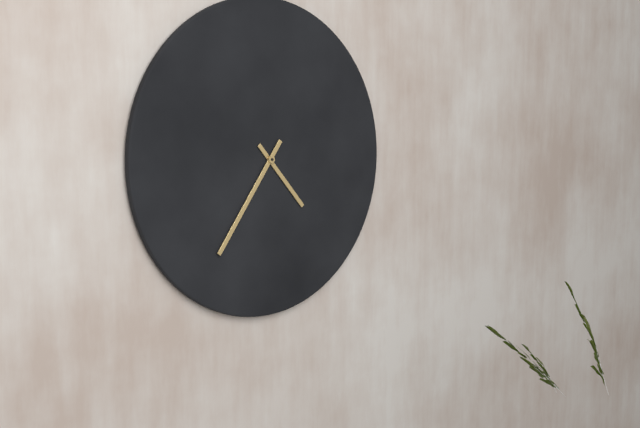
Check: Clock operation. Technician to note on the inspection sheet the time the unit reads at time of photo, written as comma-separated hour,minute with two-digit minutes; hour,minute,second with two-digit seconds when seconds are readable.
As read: 4,36
